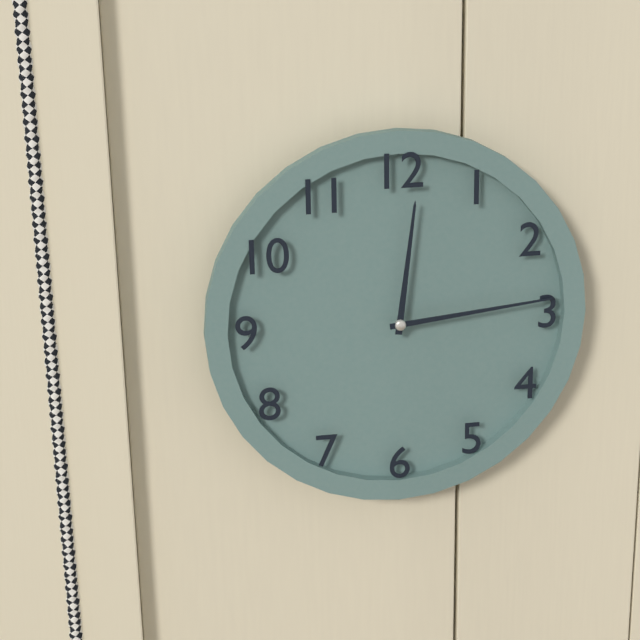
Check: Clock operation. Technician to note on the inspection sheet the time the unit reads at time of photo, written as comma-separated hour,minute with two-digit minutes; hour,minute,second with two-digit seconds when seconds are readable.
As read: 12,14
